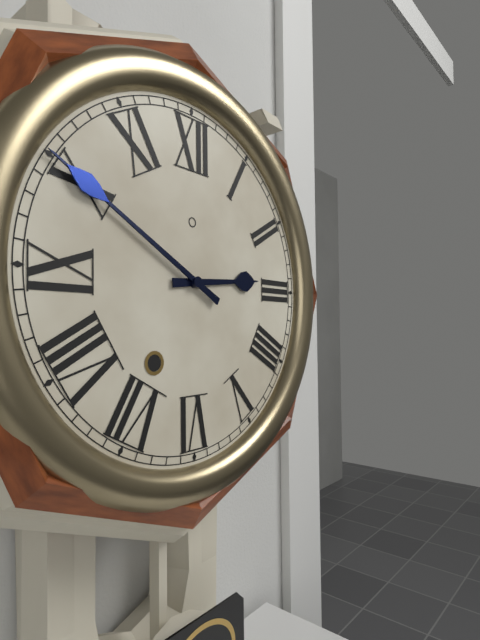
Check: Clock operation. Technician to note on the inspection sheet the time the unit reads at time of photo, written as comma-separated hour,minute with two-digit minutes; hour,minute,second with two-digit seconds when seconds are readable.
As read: 2,50
